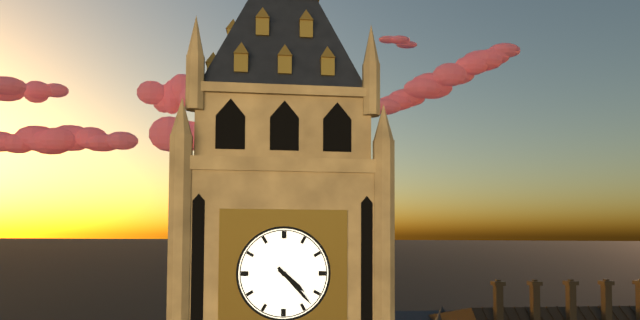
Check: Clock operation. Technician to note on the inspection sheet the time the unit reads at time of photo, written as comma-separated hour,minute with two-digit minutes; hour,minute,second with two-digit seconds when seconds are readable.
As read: 4,23
